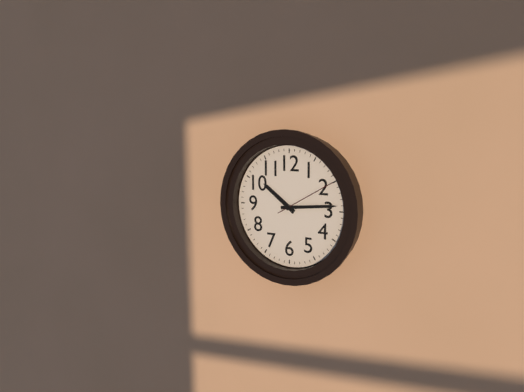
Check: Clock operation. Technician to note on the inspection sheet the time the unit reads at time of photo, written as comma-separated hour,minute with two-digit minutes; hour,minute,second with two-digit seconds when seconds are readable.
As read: 10,14,10
